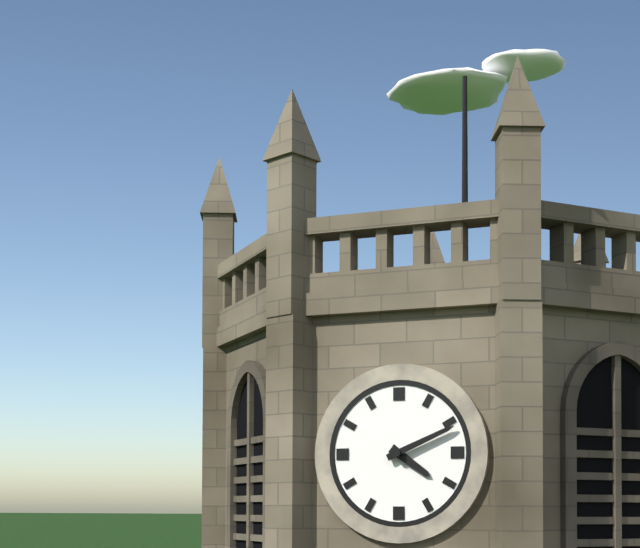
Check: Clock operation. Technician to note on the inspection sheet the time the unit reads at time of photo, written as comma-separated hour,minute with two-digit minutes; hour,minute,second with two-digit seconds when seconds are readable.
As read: 4,11
